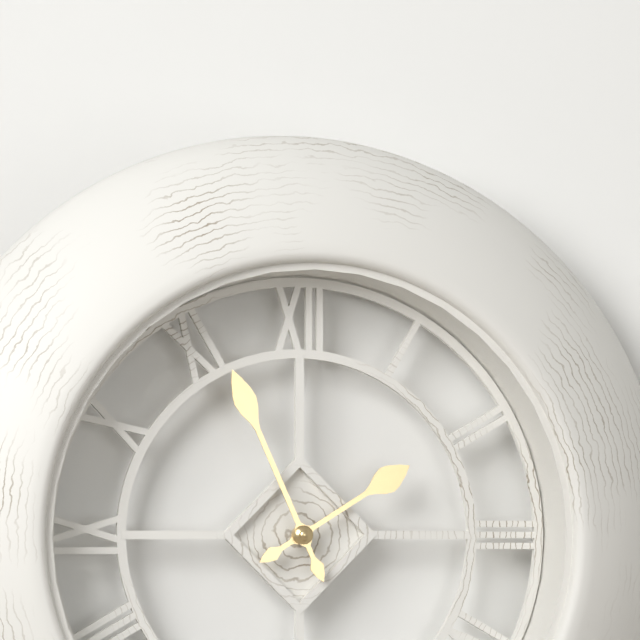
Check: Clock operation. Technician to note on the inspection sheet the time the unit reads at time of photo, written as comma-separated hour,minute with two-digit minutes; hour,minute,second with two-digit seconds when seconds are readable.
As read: 1,56
